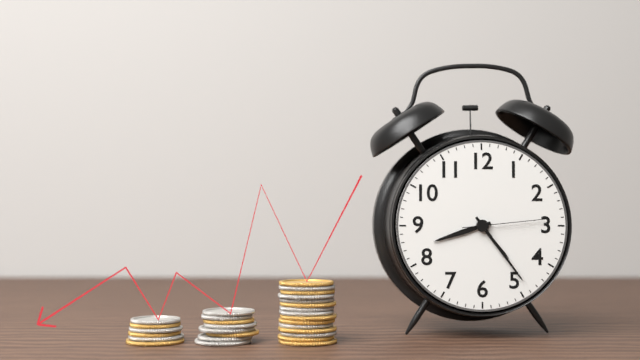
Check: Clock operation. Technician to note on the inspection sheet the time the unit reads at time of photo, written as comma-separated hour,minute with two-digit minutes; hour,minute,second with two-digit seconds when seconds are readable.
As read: 8,24,14
